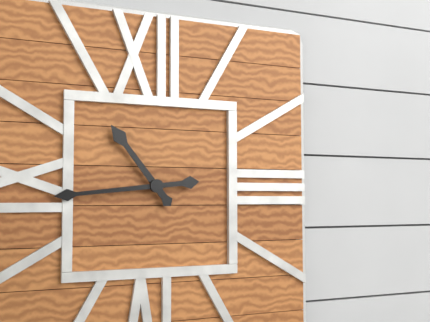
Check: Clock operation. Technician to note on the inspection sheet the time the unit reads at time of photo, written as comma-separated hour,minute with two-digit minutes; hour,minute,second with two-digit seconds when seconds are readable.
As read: 10,44
